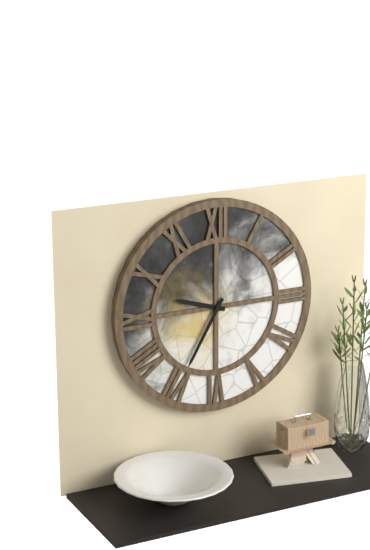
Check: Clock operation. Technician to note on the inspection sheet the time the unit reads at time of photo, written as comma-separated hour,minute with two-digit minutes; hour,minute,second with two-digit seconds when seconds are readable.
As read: 9,35
